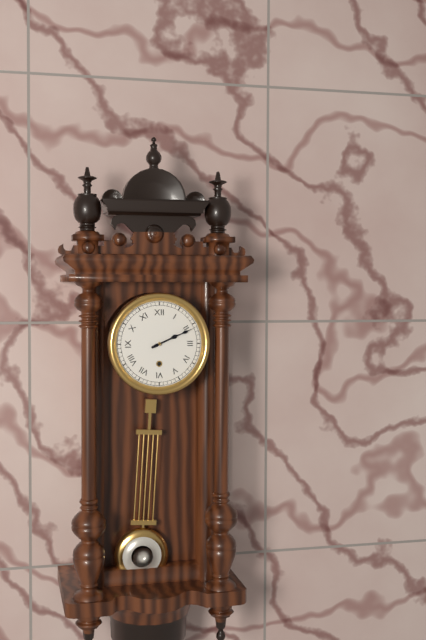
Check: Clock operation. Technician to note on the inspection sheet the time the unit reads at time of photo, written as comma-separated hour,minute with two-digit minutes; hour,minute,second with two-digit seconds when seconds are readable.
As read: 2,11
